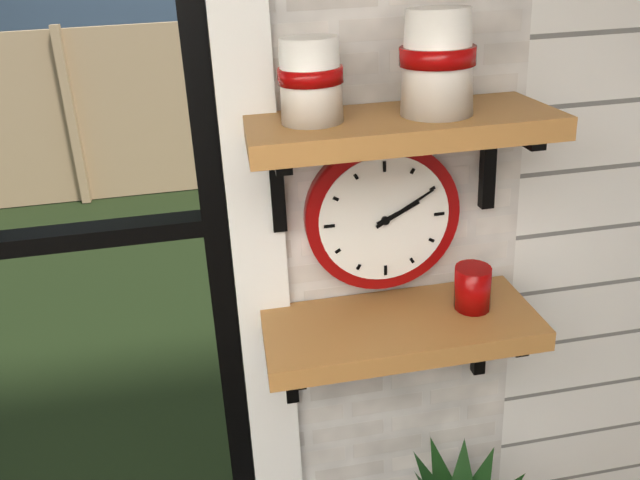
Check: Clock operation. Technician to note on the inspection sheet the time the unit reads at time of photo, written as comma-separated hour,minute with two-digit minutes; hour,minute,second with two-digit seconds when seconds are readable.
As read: 2,10
